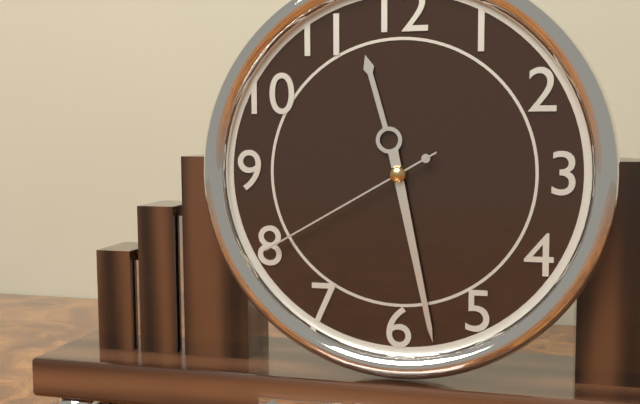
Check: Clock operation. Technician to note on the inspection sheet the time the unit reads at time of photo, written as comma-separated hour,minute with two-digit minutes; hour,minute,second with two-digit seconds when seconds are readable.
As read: 11,28,40
